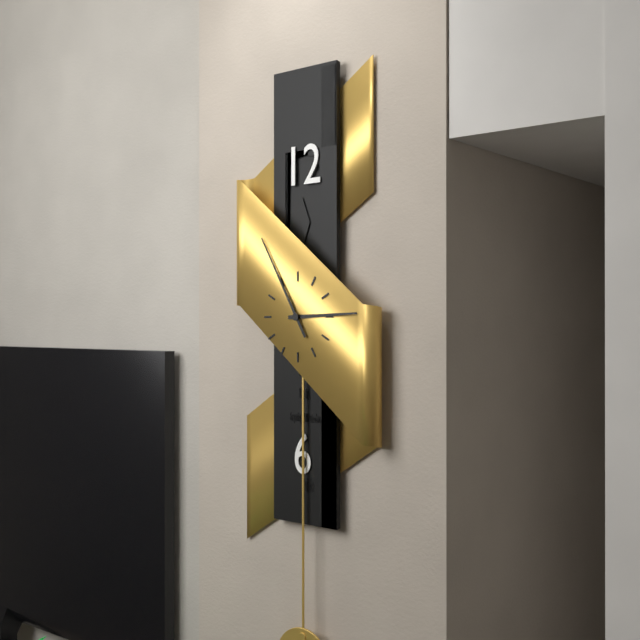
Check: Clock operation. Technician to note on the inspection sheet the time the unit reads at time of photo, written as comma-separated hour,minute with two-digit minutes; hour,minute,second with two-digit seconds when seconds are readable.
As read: 2,55
